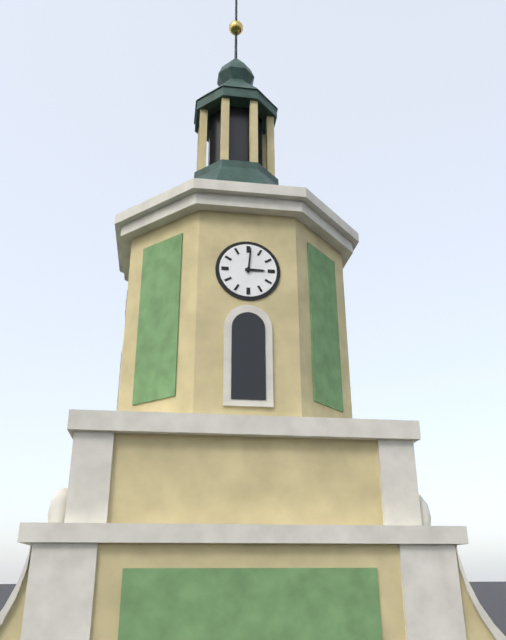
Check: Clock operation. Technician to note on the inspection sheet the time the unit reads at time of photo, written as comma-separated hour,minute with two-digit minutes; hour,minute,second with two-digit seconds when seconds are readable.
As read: 3,01
